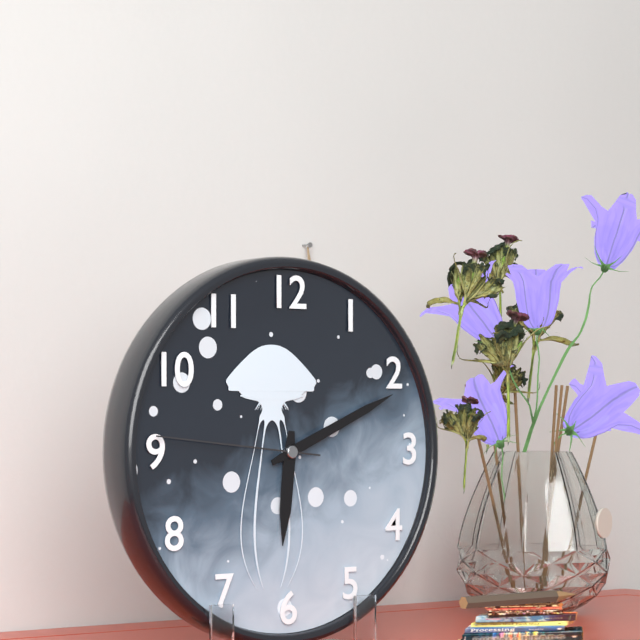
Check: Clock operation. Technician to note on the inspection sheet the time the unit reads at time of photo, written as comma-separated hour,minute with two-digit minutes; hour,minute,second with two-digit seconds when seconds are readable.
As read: 6,11,46
